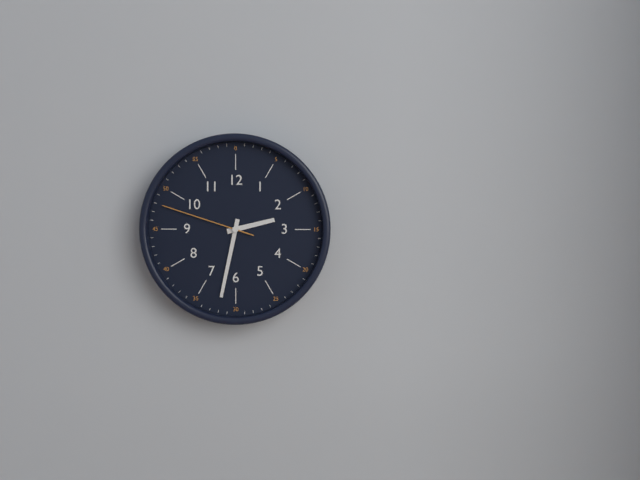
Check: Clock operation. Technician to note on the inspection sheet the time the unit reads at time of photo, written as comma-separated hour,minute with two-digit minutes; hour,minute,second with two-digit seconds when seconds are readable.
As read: 2,32,48
